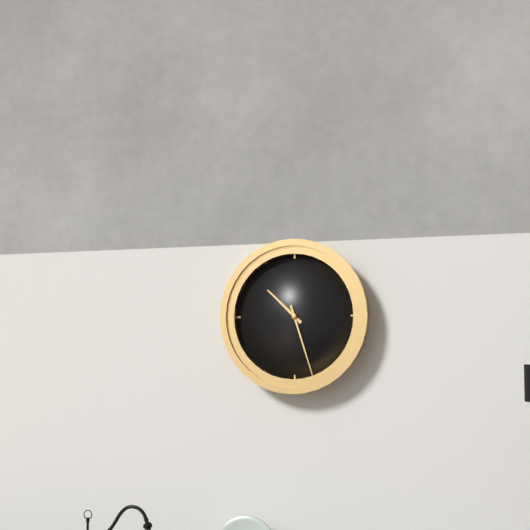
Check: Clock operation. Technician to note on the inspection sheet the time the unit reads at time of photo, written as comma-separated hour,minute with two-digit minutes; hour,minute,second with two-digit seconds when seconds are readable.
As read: 10,27
